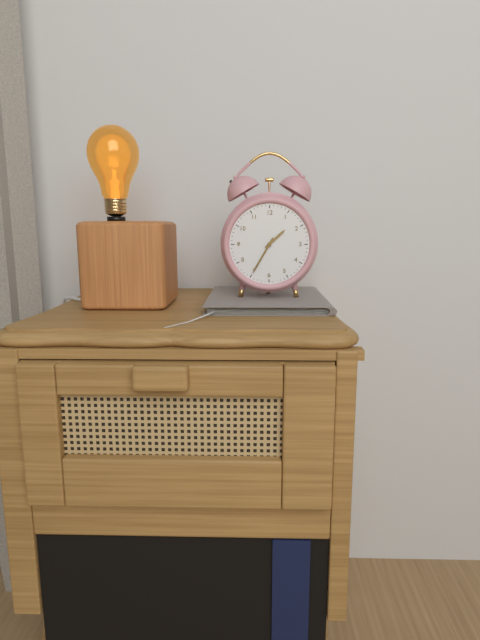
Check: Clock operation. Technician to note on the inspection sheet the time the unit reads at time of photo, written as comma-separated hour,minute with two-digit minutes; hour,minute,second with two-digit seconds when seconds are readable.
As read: 1,35
